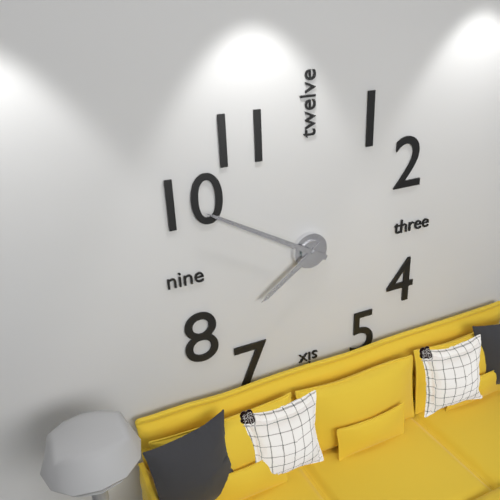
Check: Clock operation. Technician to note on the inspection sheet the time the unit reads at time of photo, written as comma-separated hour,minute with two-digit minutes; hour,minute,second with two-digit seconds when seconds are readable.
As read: 7,50
